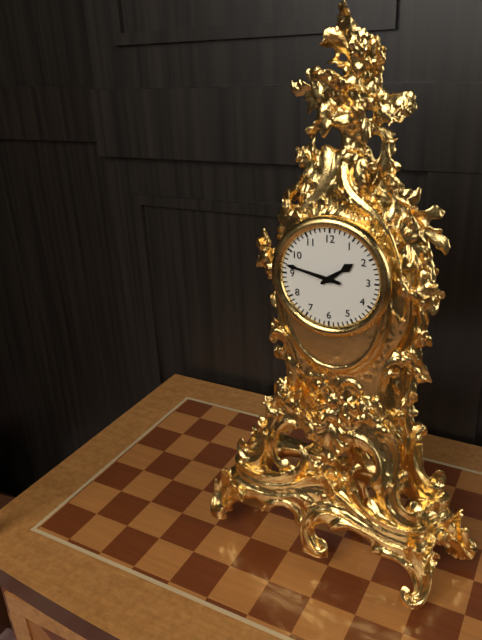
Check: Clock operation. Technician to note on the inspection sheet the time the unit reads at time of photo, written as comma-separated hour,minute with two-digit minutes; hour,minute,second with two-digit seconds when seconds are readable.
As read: 1,47
